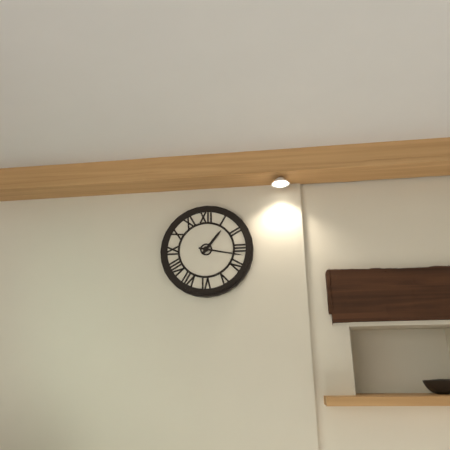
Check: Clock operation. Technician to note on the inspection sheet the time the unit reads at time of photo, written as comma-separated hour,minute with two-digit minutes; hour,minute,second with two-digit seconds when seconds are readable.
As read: 1,17
